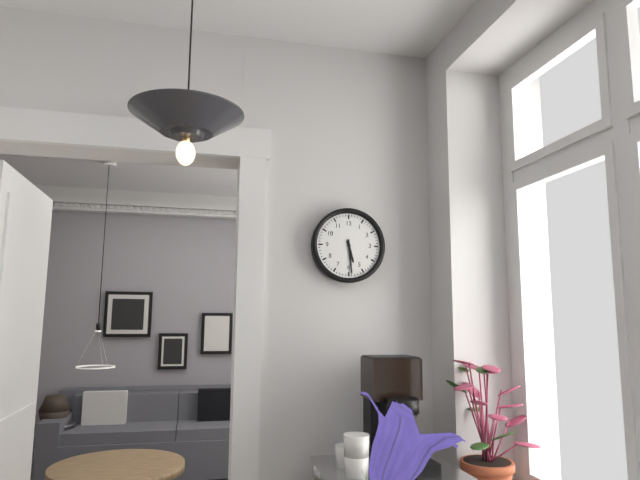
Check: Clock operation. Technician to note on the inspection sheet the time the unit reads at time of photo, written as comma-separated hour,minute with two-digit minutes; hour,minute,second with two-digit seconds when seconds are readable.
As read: 5,29
